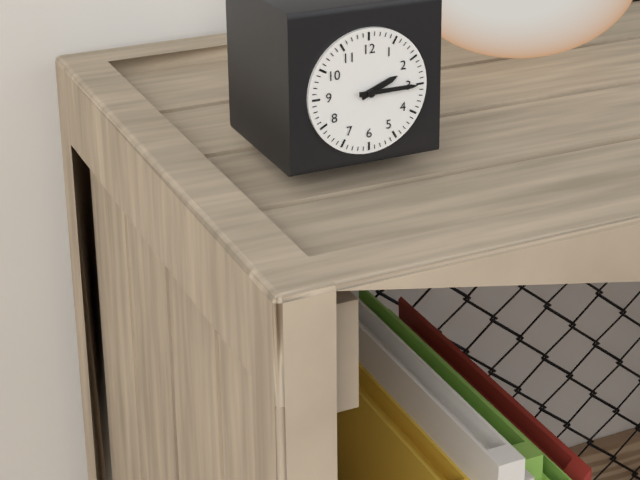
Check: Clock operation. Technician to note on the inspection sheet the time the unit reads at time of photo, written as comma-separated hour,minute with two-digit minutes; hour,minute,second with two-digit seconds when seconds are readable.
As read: 2,15
